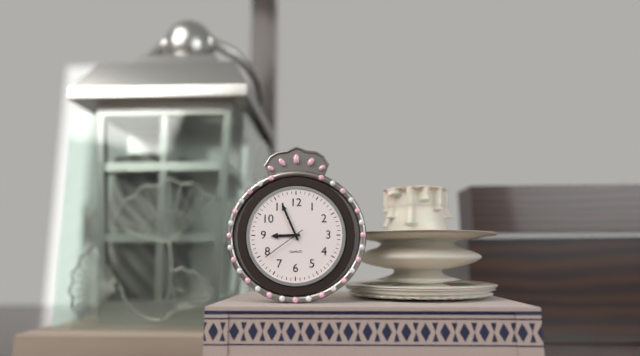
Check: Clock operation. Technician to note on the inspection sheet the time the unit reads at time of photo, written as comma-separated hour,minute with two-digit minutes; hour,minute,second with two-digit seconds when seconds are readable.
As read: 8,56
